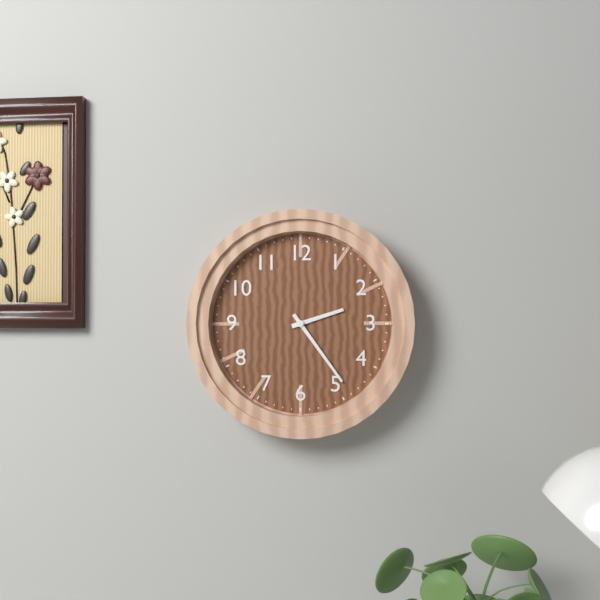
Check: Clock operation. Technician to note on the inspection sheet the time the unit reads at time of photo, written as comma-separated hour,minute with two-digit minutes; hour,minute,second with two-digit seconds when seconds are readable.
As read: 2,24
